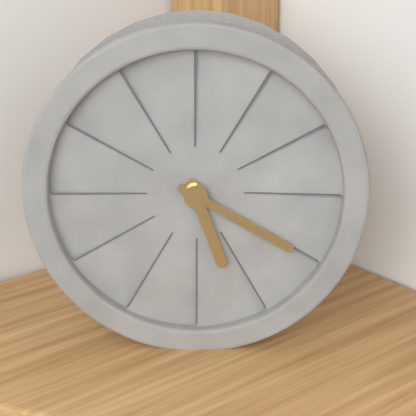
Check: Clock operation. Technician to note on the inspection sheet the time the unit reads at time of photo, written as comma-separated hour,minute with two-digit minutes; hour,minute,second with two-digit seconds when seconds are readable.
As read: 5,20
